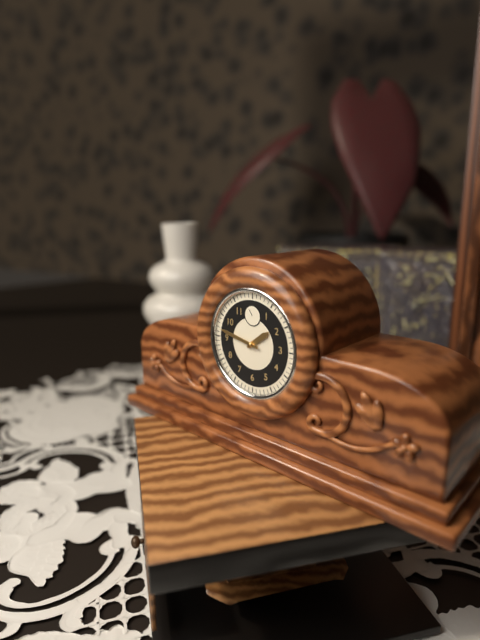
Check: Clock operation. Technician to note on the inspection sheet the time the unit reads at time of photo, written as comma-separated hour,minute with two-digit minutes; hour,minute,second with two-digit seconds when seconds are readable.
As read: 1,47
